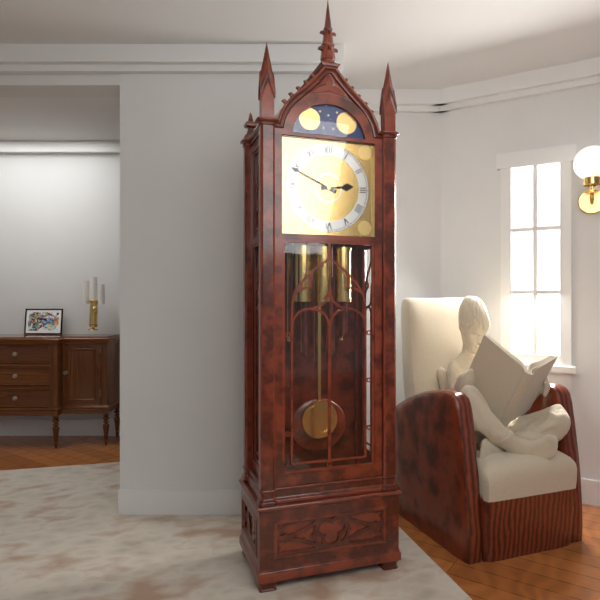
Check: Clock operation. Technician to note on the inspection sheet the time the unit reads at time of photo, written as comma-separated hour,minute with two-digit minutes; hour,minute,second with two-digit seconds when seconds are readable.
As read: 2,49
